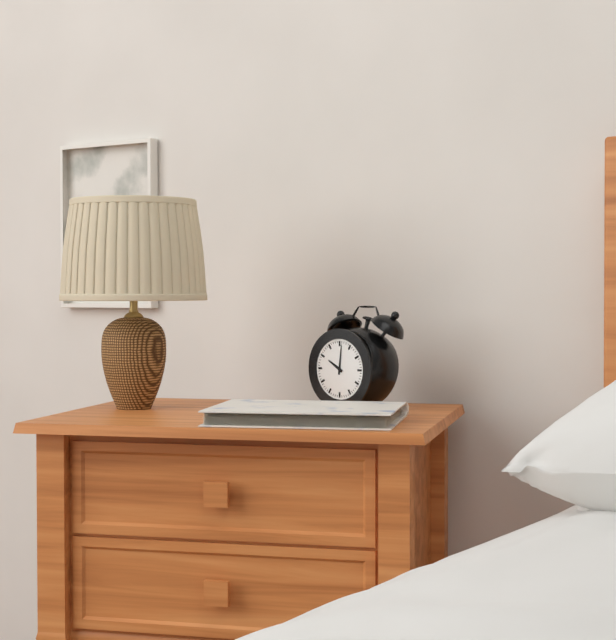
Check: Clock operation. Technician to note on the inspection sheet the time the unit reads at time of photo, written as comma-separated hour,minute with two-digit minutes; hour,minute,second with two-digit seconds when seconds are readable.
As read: 10,01
